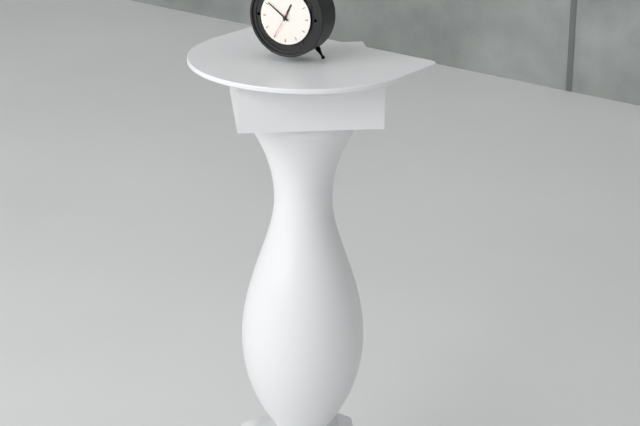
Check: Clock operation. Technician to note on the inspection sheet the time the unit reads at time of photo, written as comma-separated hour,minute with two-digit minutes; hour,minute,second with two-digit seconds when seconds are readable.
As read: 12,51
